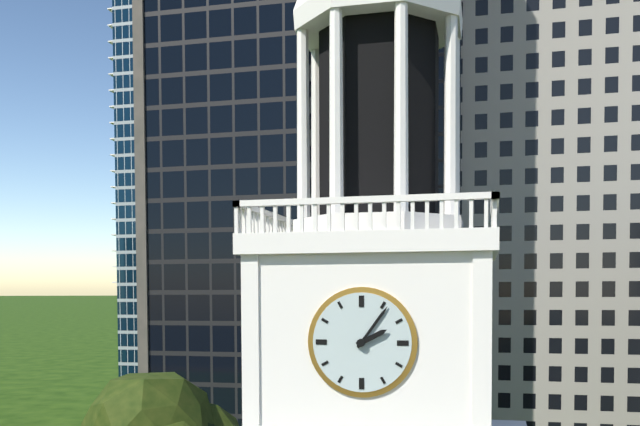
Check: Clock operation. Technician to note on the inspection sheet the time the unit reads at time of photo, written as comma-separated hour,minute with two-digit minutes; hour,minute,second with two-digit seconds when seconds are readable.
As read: 2,06
